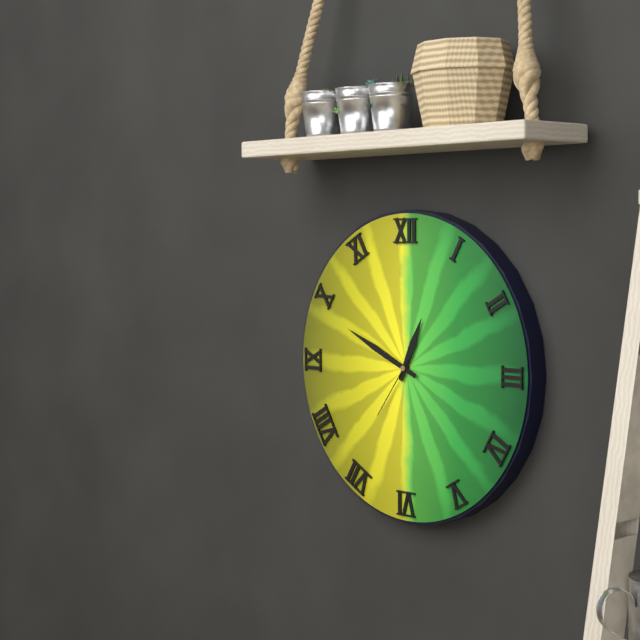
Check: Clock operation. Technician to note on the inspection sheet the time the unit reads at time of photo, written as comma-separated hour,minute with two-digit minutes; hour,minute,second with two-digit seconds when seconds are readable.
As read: 12,49,36
